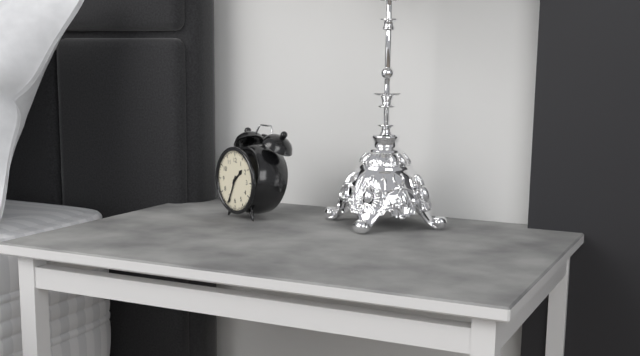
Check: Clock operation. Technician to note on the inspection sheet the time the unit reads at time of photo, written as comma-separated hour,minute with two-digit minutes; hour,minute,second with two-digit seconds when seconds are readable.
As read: 1,34
